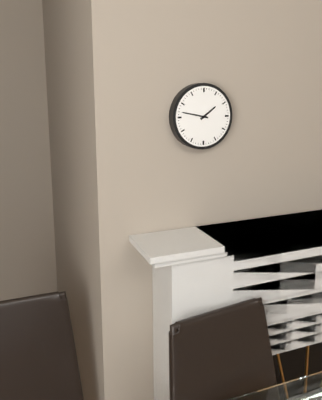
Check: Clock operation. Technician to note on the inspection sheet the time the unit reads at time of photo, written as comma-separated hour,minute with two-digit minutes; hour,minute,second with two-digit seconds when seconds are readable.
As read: 1,47
